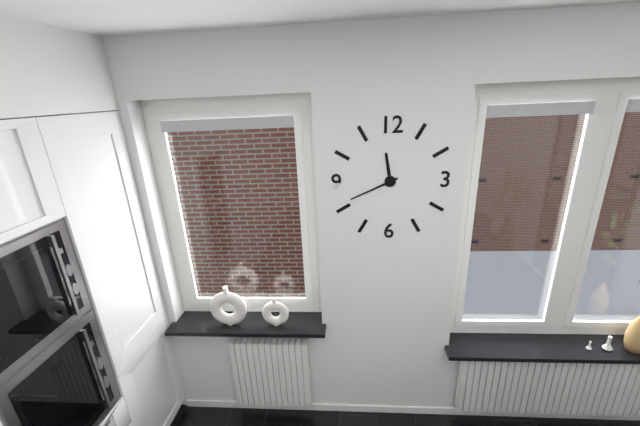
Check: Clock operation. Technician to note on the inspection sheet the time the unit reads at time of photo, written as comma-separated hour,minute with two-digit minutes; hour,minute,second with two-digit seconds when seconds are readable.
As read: 11,41
